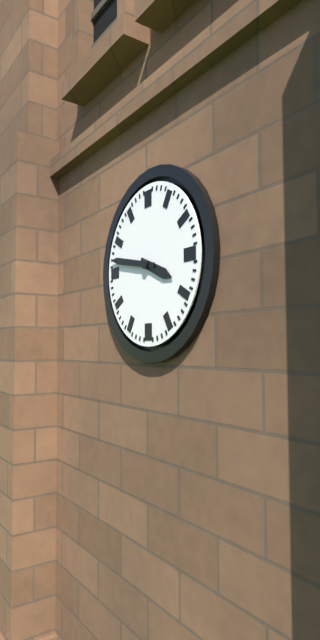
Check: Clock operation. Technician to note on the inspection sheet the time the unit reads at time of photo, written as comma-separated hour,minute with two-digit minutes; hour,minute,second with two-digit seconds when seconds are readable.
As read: 3,47
